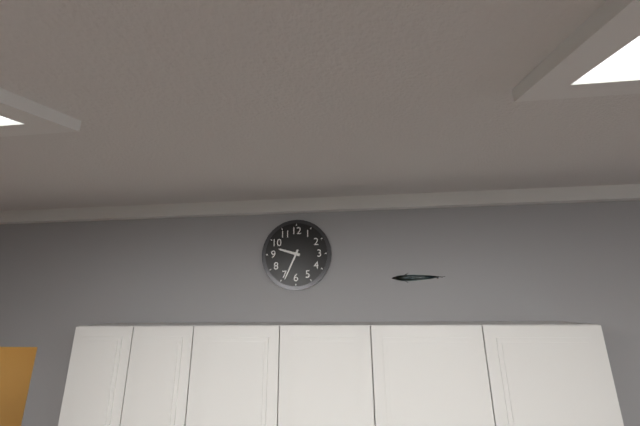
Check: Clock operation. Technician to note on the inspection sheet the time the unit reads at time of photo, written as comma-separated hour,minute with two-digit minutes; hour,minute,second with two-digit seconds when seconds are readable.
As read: 9,34
